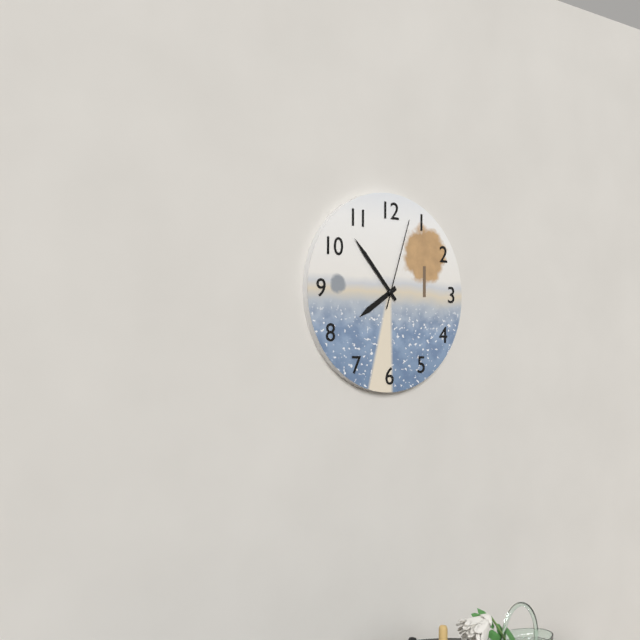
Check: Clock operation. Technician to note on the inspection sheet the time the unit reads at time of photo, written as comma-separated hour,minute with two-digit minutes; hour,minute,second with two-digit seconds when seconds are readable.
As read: 7,53,03
